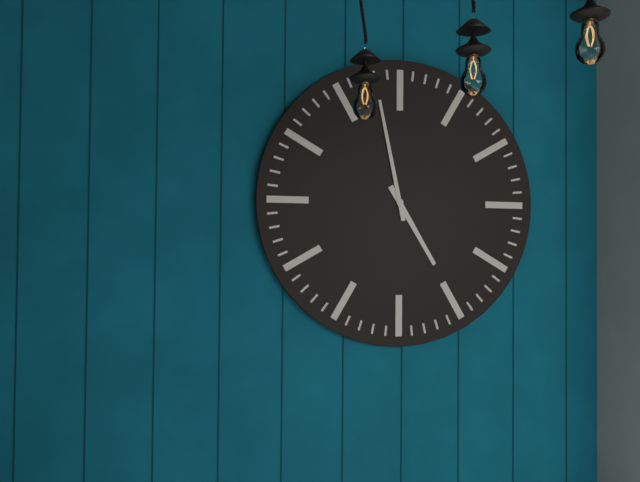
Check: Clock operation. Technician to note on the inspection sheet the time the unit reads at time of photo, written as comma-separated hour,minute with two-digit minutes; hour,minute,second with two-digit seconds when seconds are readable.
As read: 4,58
